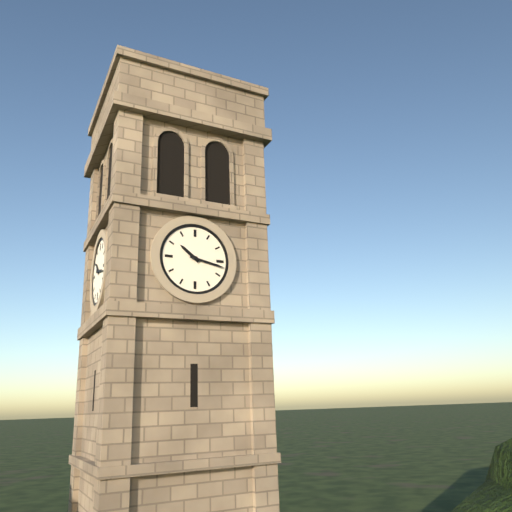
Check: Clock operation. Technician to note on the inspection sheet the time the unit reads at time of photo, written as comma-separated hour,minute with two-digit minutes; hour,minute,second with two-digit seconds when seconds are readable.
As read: 10,17
